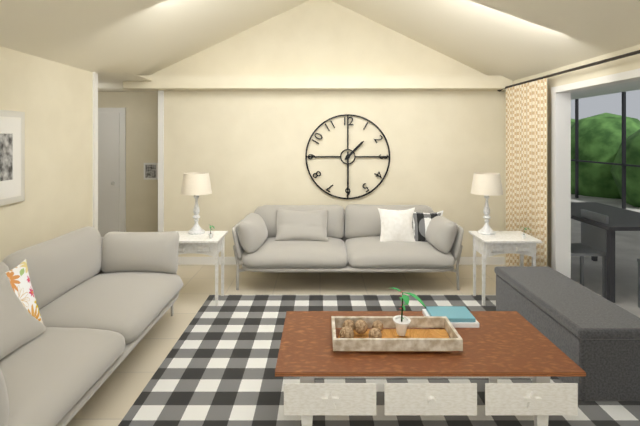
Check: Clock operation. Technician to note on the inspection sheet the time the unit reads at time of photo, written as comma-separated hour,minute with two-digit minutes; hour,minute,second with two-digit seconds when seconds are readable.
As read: 1,30
